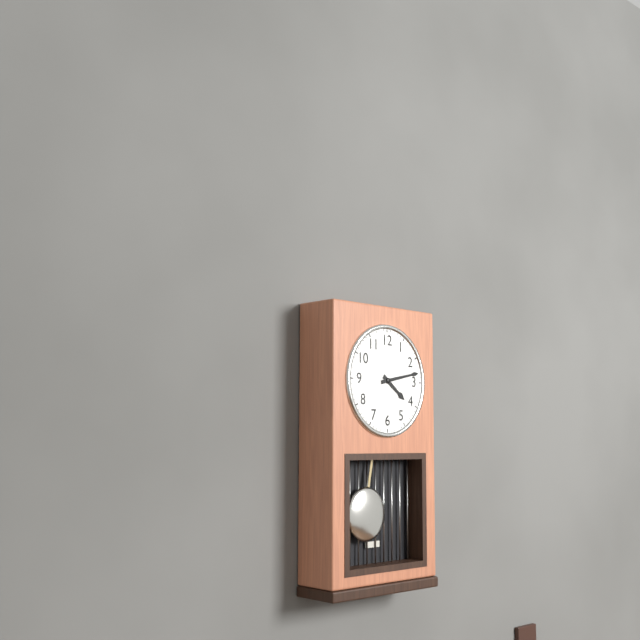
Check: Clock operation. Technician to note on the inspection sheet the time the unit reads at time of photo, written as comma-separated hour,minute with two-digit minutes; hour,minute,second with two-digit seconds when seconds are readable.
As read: 4,13
